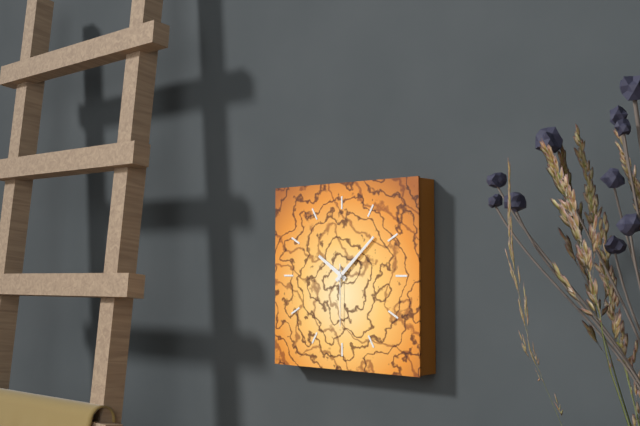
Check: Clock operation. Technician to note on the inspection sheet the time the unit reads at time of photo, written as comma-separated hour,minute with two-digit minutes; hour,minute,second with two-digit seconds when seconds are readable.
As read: 10,08,30
